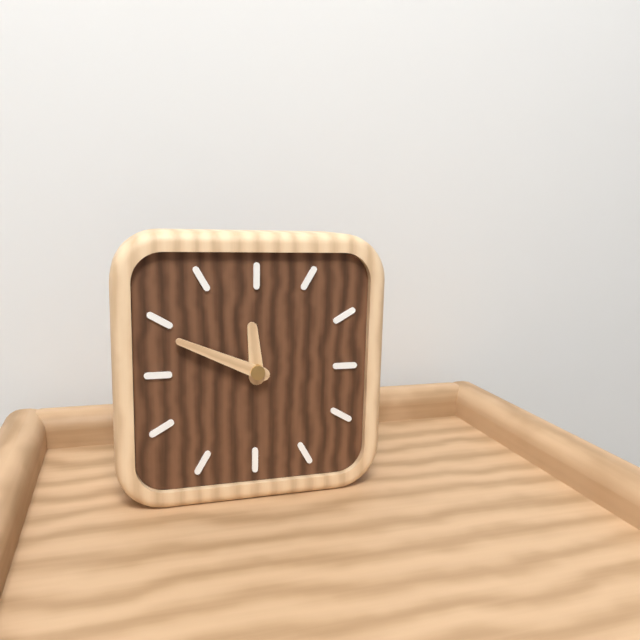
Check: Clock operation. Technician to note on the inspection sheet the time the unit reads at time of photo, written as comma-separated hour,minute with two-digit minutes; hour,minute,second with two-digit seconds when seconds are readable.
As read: 11,49
